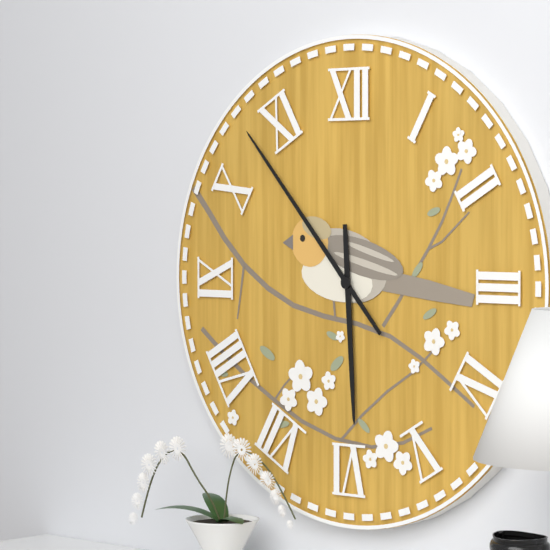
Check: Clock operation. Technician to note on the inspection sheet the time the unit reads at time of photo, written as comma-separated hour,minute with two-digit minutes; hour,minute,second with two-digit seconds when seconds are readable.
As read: 5,53
